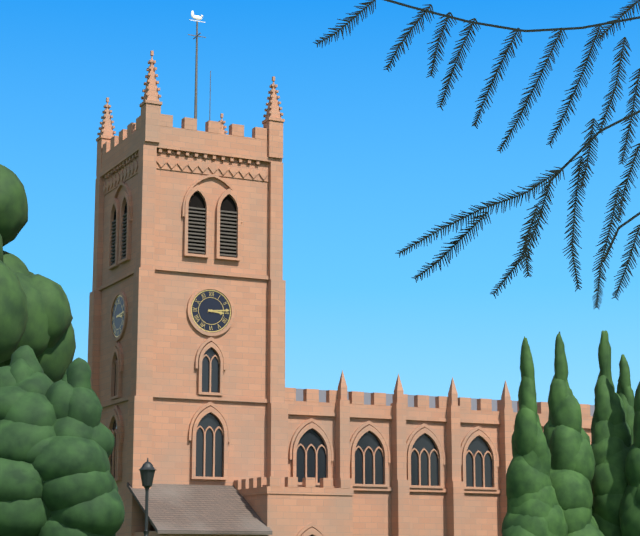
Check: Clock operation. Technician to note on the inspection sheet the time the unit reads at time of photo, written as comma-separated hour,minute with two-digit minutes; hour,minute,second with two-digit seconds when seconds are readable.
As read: 3,14
